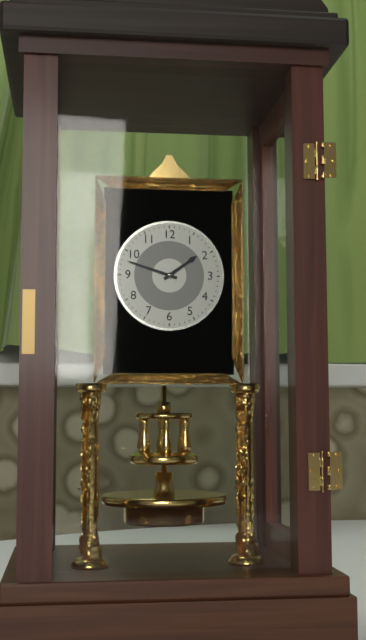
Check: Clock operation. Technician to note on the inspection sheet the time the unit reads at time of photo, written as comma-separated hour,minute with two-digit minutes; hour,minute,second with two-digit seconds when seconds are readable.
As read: 1,48
